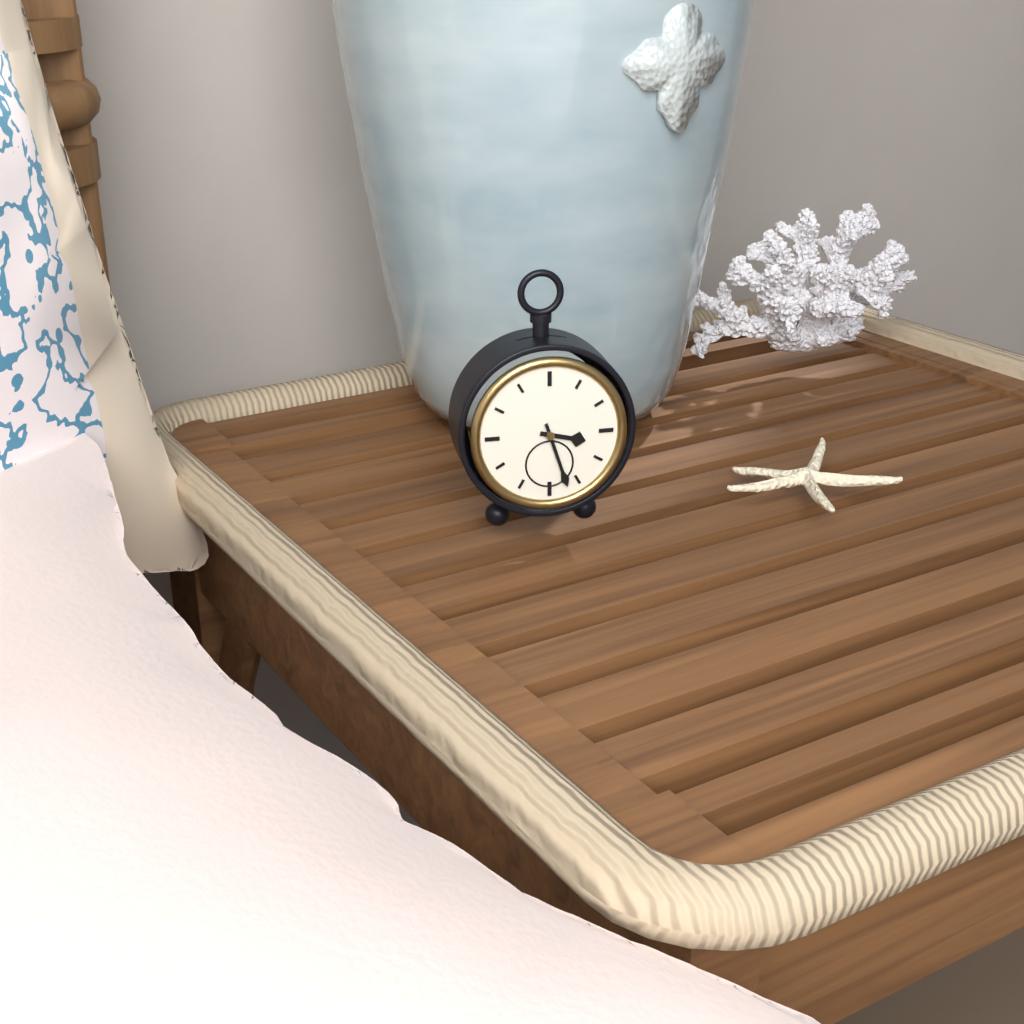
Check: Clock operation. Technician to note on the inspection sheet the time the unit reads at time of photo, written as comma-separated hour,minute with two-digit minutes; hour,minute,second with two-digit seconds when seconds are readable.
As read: 3,27
